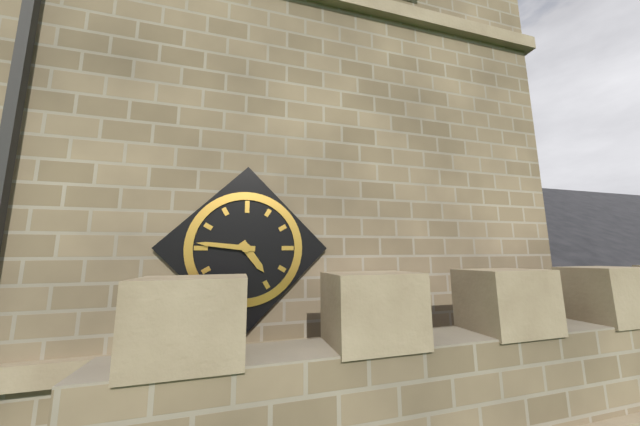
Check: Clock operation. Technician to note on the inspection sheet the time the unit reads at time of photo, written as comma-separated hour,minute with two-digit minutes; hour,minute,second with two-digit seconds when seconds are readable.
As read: 4,46
